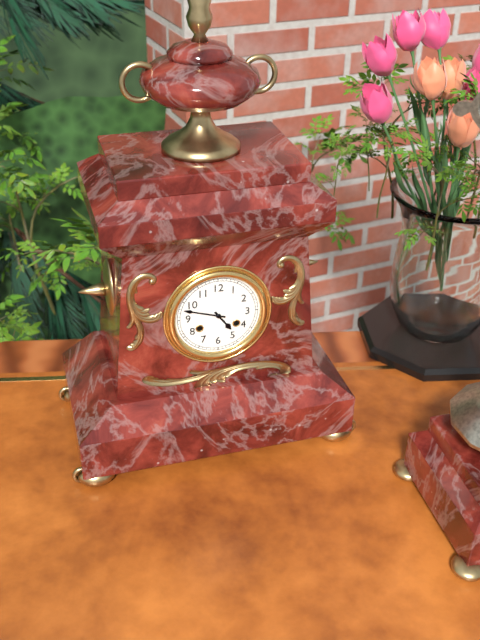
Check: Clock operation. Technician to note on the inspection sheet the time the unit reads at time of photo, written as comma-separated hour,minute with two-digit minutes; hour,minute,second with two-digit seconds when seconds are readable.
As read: 4,48
